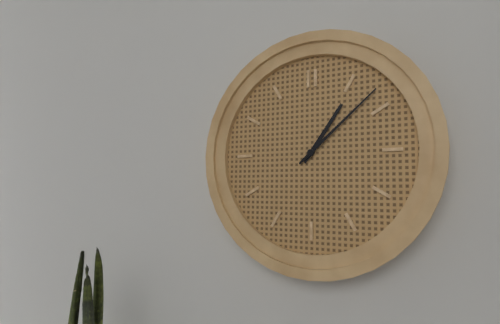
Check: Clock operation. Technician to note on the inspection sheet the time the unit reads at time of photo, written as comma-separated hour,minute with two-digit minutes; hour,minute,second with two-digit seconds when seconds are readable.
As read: 1,08
